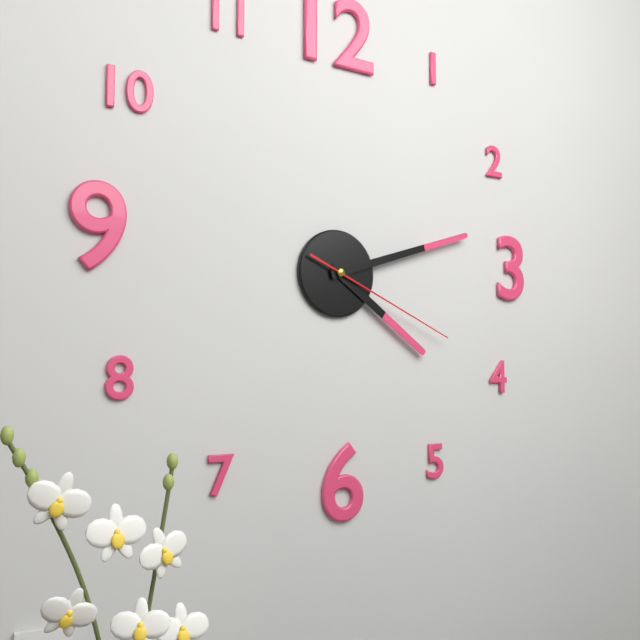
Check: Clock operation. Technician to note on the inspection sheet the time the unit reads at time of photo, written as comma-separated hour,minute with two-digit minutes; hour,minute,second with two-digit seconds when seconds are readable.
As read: 4,12,19
